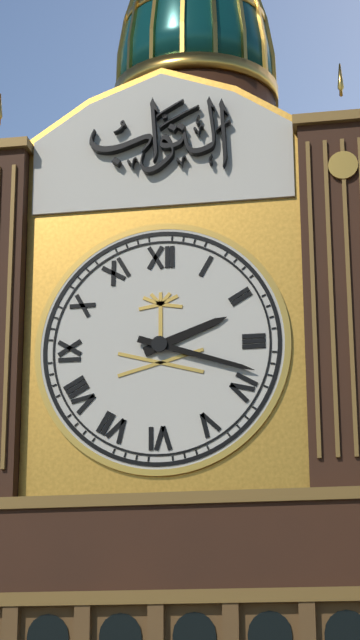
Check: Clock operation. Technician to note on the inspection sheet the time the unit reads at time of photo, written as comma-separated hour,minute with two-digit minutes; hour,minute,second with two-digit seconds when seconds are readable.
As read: 2,18
